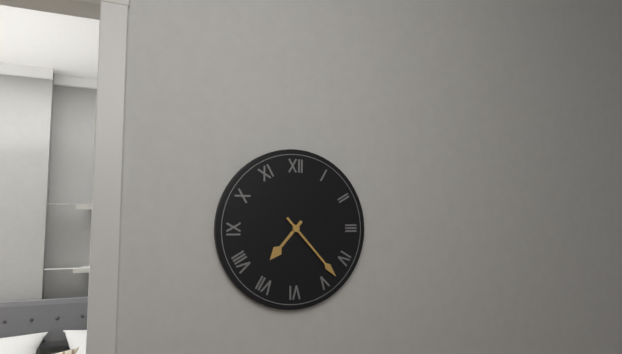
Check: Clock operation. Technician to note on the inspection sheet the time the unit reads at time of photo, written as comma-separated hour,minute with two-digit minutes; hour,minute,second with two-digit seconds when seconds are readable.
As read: 7,23
